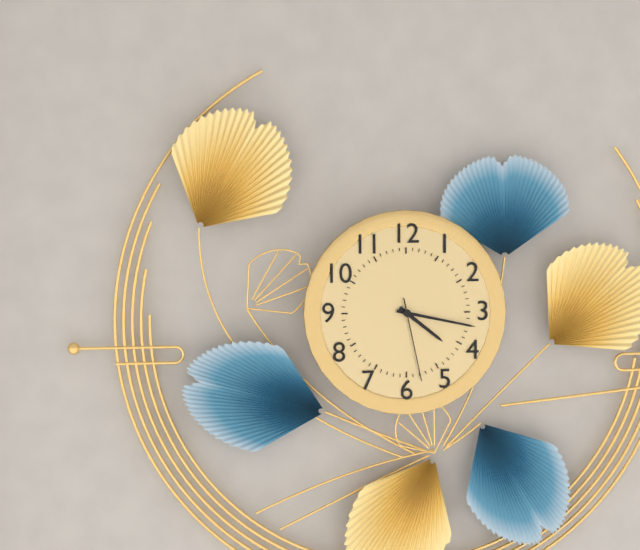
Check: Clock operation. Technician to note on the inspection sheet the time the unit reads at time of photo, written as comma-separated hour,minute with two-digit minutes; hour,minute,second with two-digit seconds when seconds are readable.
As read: 4,17,28
